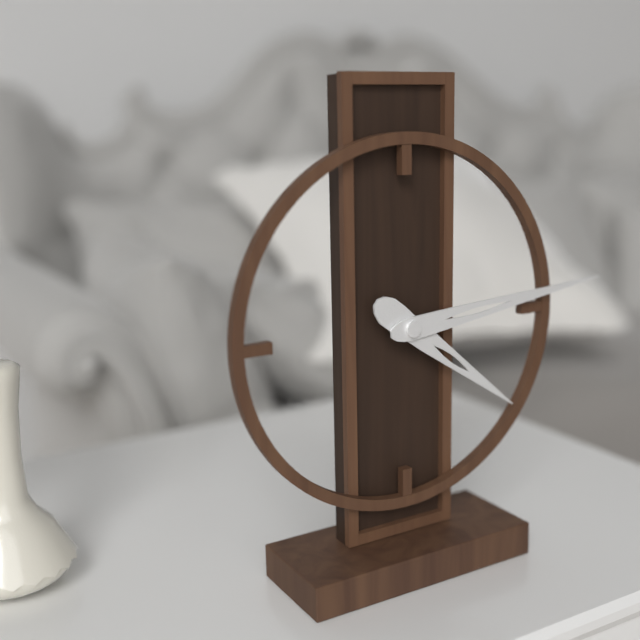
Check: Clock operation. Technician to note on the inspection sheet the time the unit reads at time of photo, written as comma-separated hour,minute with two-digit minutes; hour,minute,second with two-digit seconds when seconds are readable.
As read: 4,14
